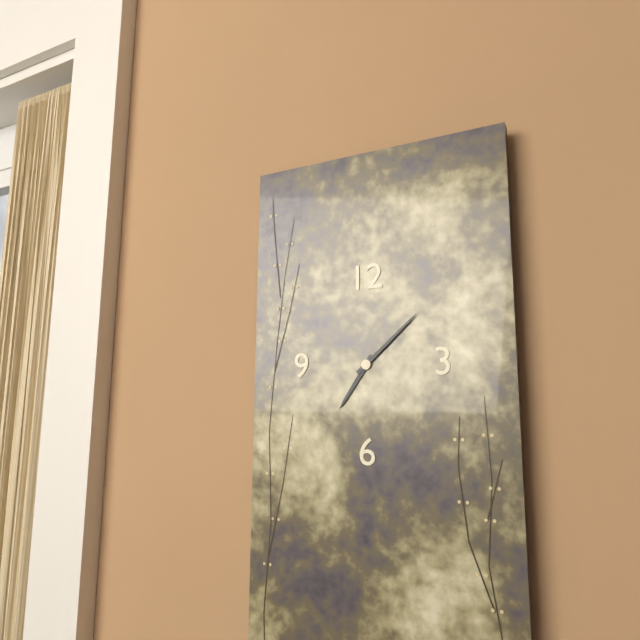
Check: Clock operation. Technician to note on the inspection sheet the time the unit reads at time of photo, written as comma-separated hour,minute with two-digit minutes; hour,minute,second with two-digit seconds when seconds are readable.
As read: 7,08
